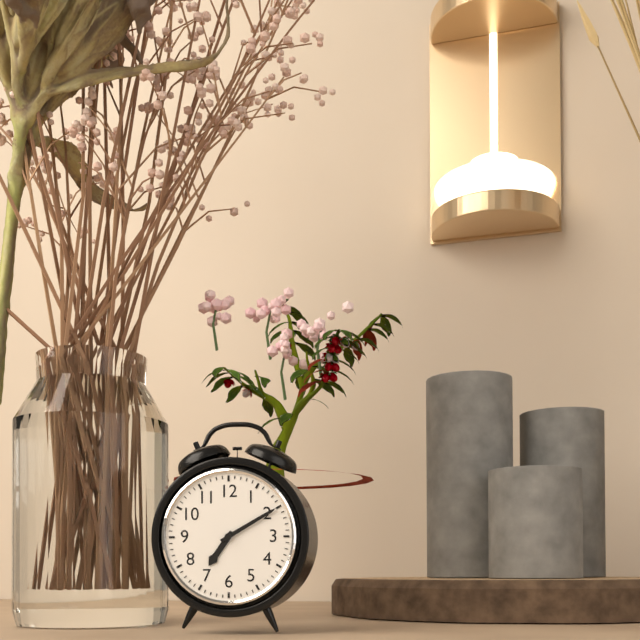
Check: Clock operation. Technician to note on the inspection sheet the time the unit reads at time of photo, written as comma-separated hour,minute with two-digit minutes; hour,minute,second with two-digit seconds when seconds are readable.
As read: 7,10
